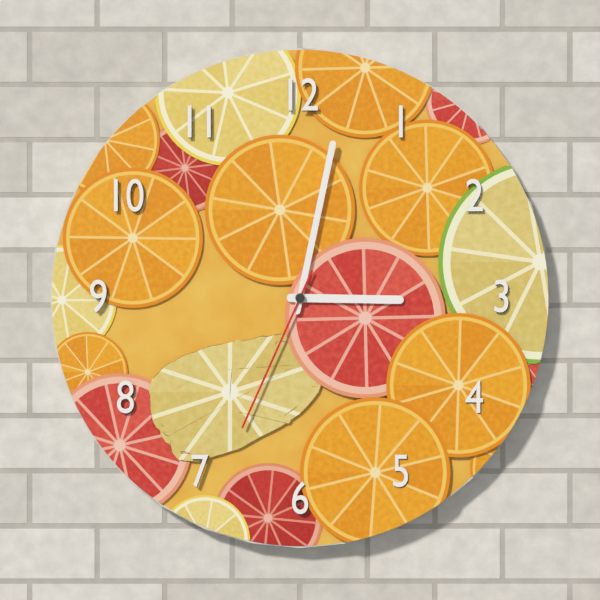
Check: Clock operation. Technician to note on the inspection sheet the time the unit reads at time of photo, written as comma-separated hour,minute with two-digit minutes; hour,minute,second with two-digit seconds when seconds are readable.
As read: 3,02,34
